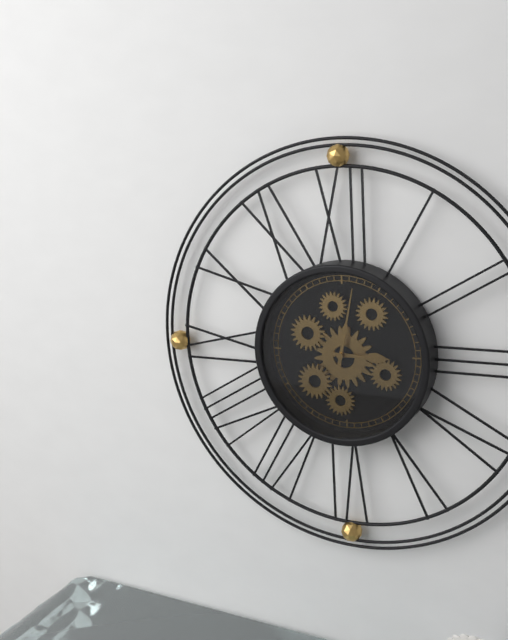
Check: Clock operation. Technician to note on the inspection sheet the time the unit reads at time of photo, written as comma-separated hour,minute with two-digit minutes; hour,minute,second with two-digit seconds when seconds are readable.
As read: 3,02
